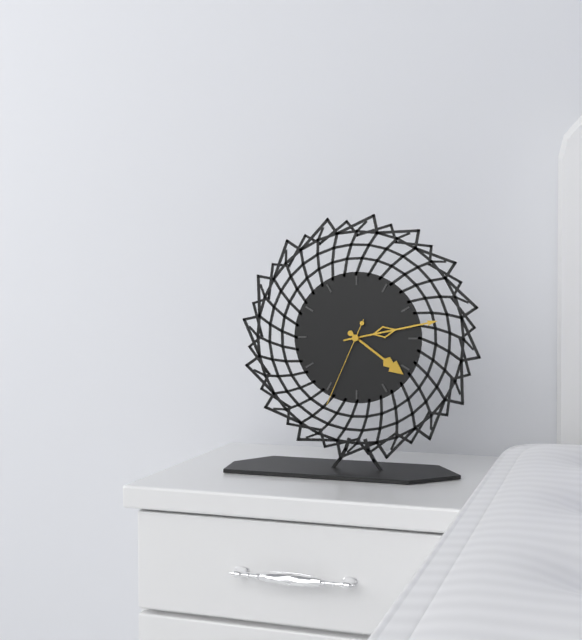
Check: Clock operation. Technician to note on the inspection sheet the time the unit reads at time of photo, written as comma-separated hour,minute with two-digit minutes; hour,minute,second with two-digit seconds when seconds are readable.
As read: 4,13,34
